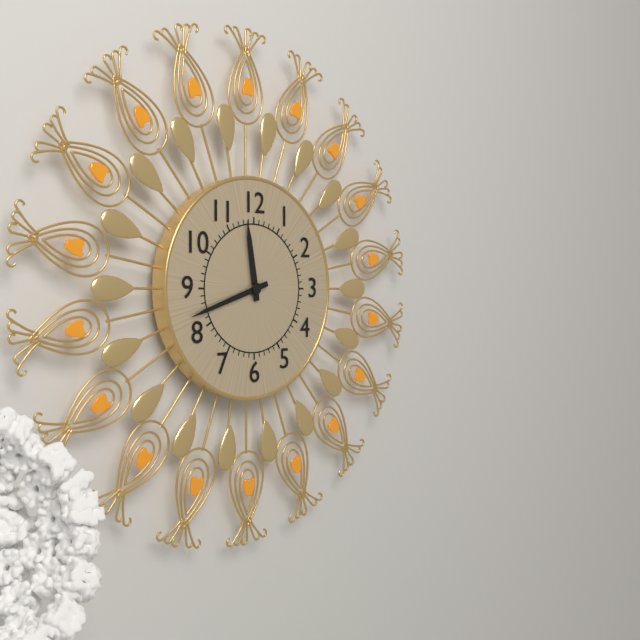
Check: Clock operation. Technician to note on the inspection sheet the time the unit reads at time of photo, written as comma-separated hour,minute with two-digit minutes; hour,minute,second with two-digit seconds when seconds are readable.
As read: 11,42
